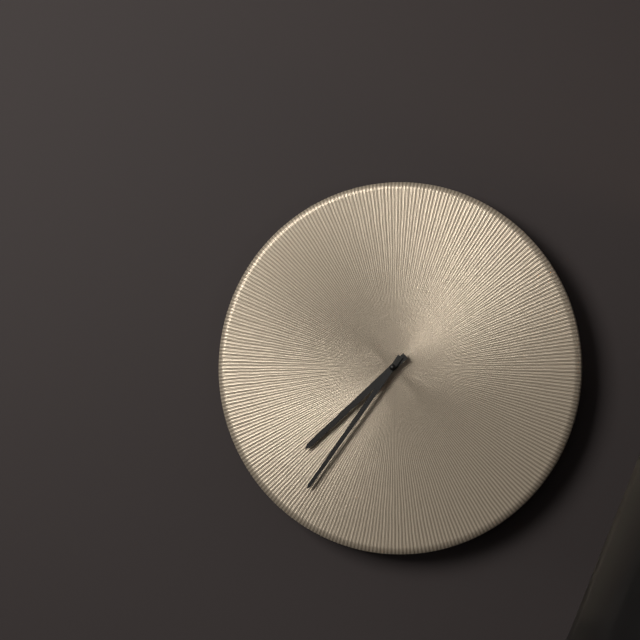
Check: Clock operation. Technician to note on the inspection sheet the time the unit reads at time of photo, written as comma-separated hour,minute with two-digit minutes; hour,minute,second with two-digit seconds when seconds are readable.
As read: 7,36
